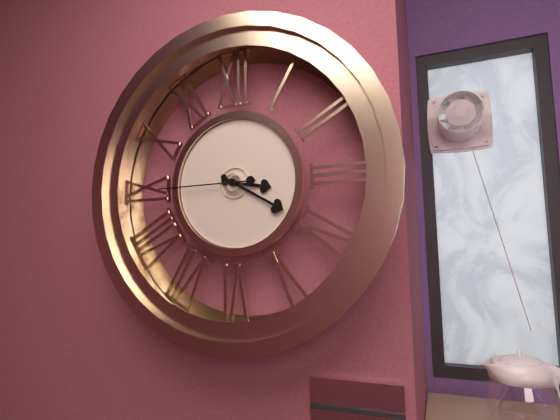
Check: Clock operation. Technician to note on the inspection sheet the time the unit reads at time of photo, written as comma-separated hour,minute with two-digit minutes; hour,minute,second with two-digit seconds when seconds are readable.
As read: 3,20,45
